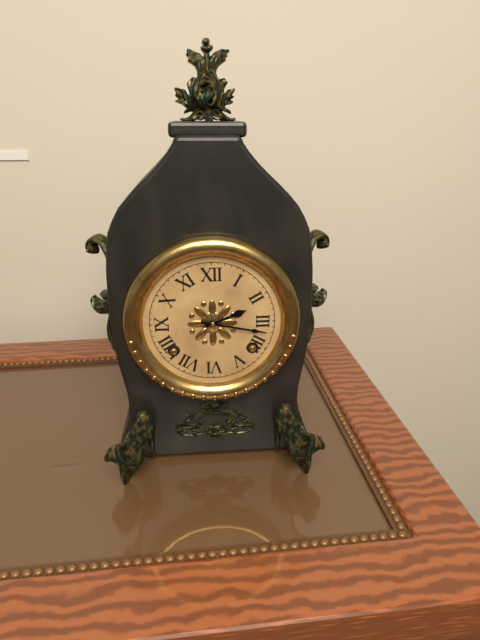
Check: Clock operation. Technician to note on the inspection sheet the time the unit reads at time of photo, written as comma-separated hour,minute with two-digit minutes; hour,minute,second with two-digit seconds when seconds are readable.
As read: 2,17
